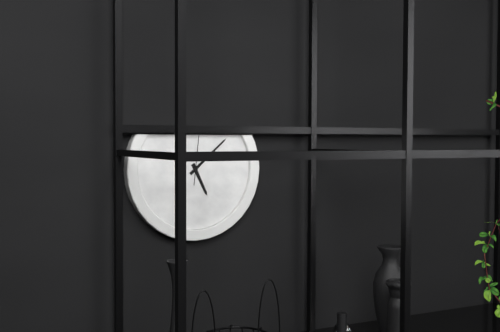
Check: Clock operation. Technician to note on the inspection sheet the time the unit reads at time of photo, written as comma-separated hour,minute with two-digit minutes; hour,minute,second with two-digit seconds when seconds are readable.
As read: 5,08,01
